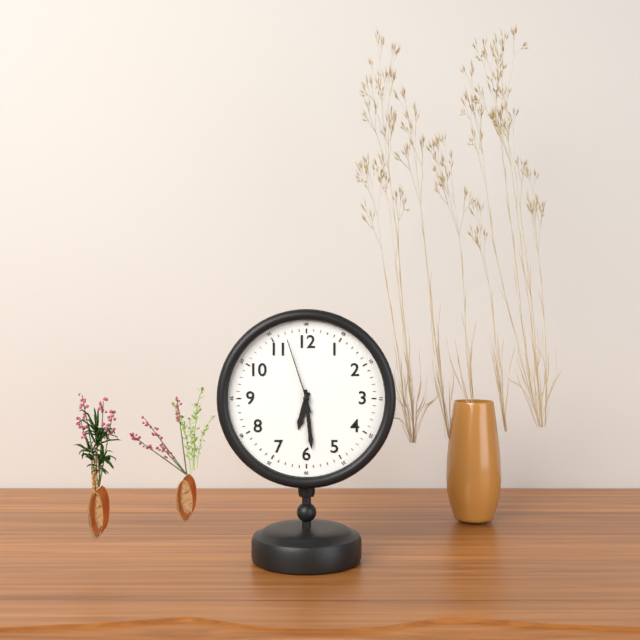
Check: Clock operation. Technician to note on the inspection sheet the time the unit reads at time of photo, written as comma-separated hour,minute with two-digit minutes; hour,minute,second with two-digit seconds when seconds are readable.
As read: 6,29,57
